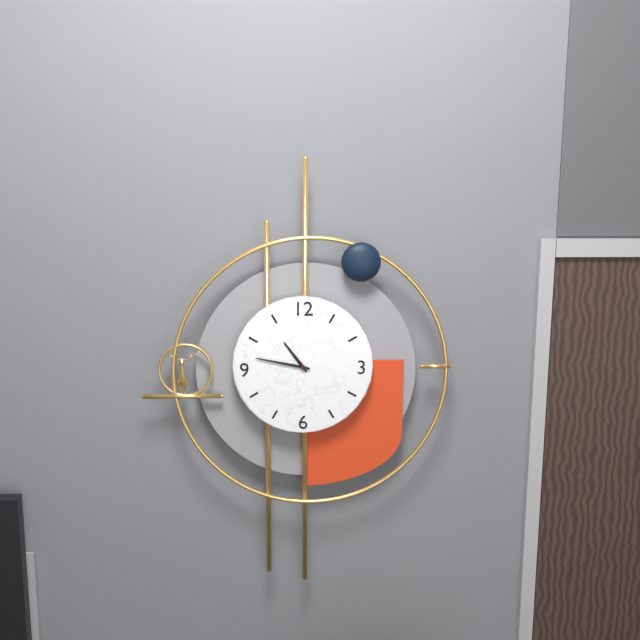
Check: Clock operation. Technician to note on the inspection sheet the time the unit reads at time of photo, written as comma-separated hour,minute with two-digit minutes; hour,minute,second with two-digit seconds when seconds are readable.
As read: 10,47
